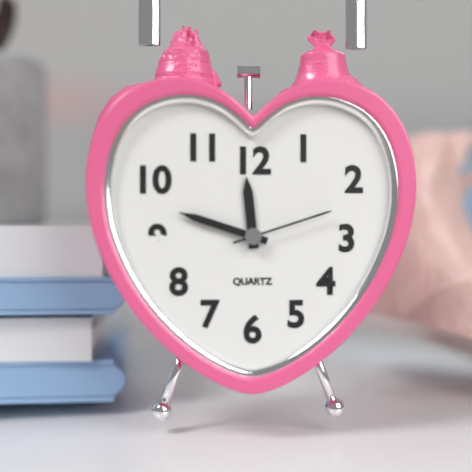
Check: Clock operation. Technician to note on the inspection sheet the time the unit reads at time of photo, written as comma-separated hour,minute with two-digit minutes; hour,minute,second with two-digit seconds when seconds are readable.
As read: 11,48,12
